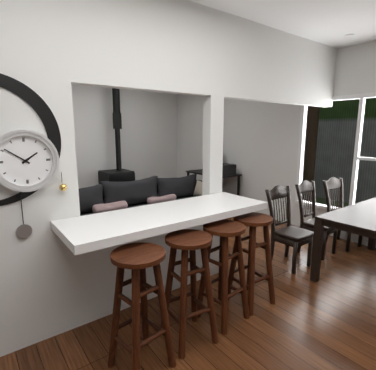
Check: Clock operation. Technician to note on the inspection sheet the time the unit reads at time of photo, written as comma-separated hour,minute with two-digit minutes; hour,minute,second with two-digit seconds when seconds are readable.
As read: 1,51
